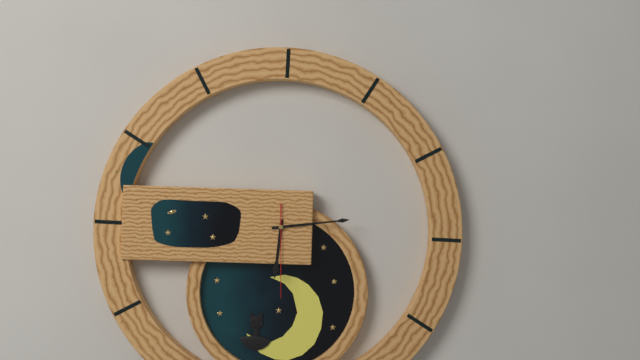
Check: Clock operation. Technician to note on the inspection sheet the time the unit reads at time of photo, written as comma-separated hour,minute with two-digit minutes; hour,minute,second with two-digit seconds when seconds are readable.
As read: 6,14,30
